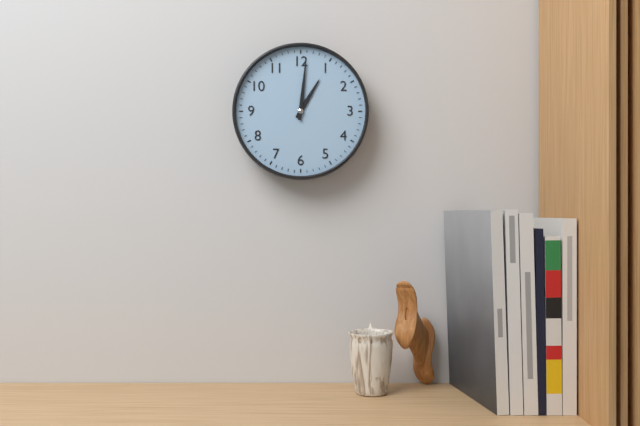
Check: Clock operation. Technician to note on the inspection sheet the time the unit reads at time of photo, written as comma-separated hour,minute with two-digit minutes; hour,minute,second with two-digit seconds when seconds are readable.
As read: 1,01
